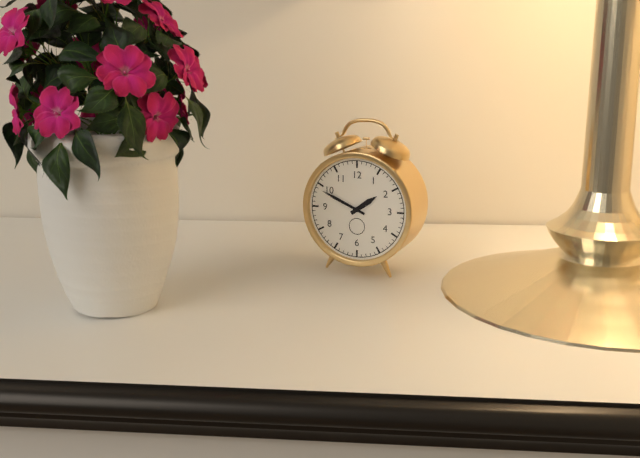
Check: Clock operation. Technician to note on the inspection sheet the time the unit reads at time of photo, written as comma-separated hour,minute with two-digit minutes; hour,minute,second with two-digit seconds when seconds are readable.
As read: 1,49
